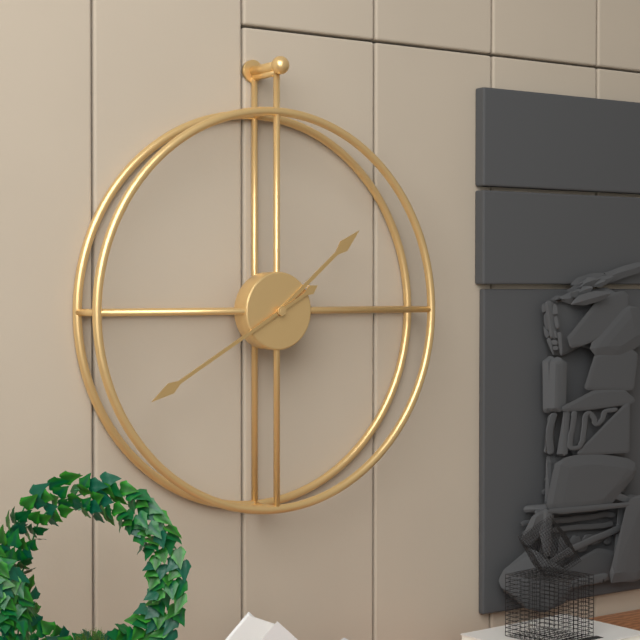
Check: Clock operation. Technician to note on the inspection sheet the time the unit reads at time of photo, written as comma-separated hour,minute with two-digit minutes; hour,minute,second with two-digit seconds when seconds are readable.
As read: 1,40
